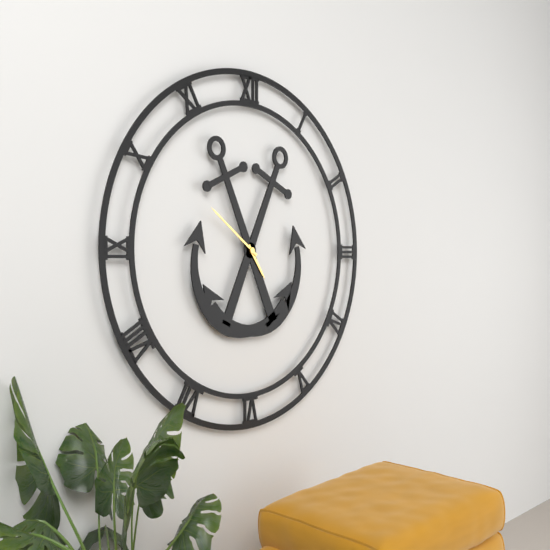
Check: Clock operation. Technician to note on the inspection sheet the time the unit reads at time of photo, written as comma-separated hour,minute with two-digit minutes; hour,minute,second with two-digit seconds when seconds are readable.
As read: 4,51
